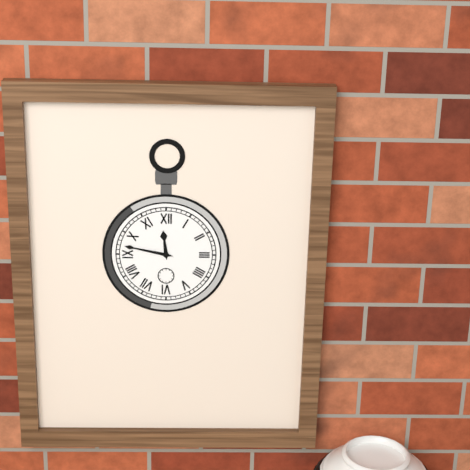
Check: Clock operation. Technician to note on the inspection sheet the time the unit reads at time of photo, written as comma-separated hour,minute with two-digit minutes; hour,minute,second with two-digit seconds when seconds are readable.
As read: 11,47
